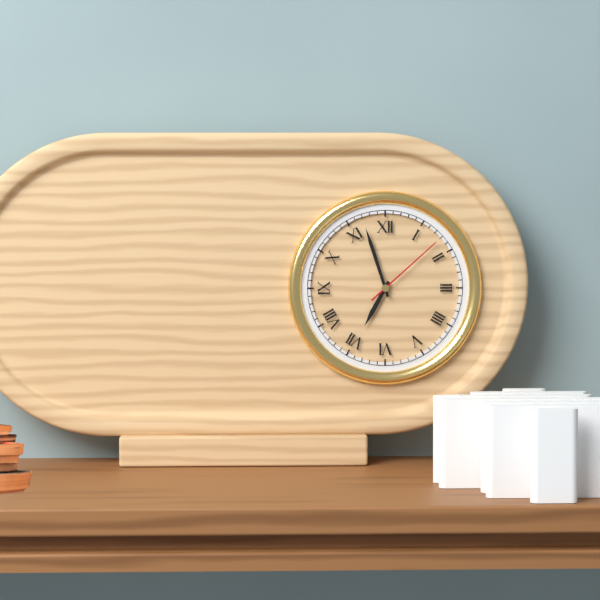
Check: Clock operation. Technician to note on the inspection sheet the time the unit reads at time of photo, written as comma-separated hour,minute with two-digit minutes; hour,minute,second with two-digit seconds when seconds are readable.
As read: 6,57,08
